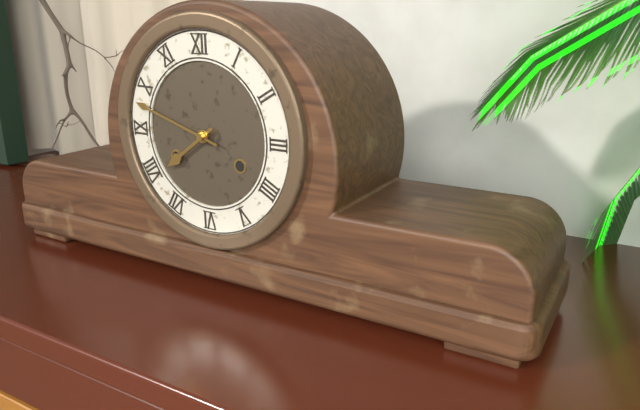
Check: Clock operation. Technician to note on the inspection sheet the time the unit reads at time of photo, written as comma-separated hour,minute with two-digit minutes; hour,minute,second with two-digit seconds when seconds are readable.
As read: 7,48
